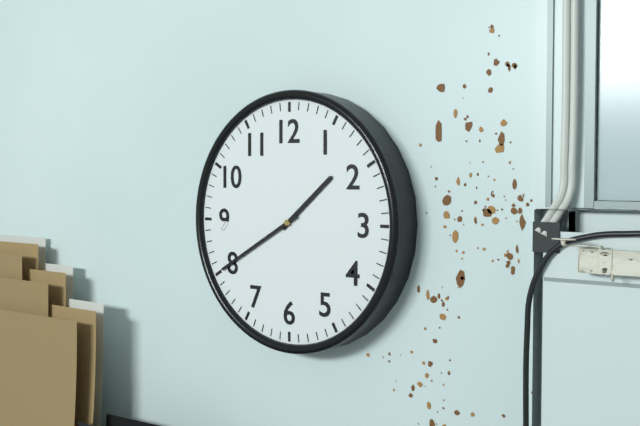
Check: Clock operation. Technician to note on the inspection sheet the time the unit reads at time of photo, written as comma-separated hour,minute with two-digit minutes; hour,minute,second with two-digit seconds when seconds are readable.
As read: 1,40
